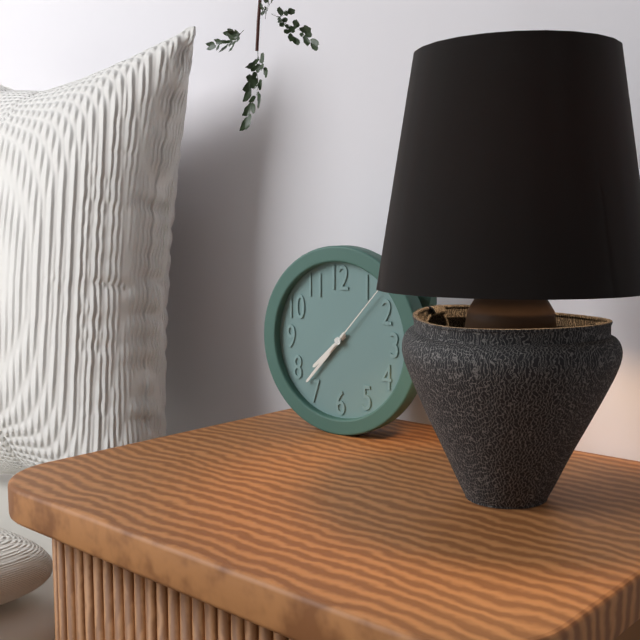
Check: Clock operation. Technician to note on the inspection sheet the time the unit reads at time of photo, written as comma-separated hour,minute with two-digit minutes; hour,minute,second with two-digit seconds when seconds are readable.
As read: 7,37,07
